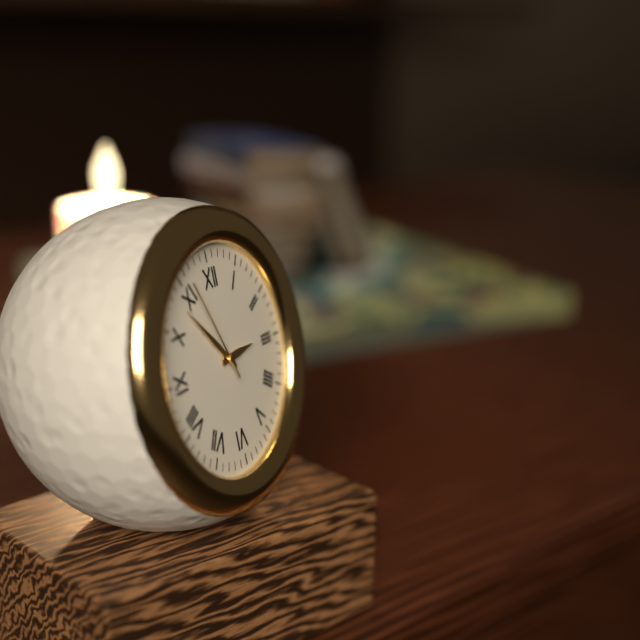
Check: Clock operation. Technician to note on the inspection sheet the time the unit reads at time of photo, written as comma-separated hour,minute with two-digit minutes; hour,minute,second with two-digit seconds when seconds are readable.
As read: 2,53,56
